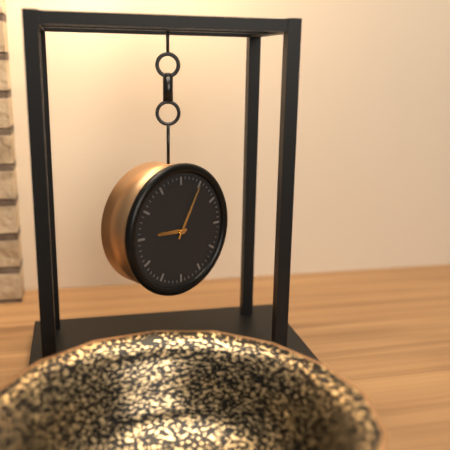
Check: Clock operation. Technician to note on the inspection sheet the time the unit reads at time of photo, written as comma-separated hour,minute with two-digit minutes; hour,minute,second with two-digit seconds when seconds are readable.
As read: 9,05
